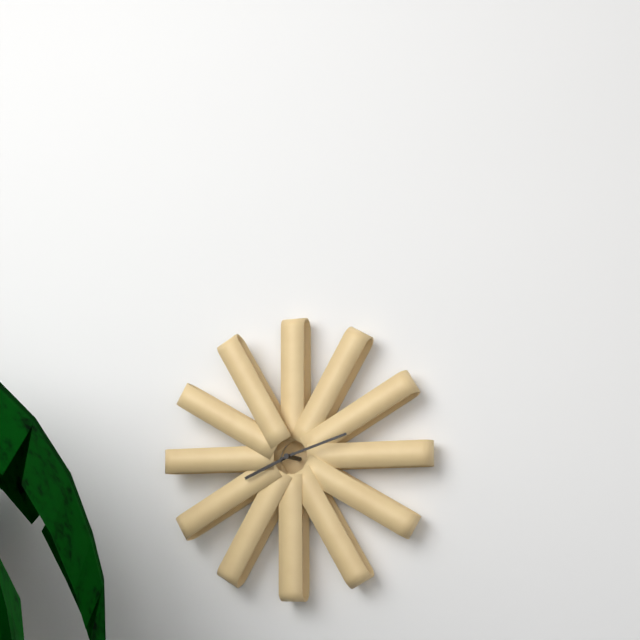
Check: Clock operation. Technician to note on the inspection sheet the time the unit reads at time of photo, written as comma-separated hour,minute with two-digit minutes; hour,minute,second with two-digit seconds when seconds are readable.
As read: 8,12
